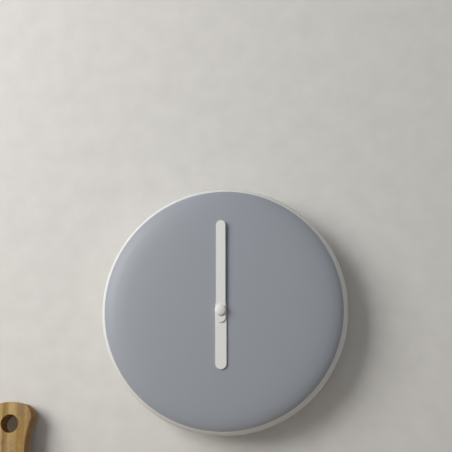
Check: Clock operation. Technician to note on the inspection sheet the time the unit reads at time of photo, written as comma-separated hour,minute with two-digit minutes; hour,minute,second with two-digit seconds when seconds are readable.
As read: 6,00
